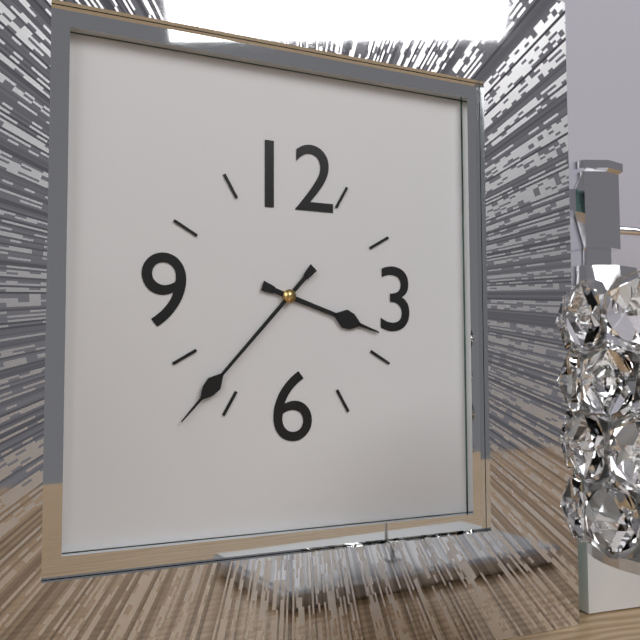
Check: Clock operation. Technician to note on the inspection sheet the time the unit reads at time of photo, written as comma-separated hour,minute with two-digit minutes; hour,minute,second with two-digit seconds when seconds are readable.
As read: 3,37
